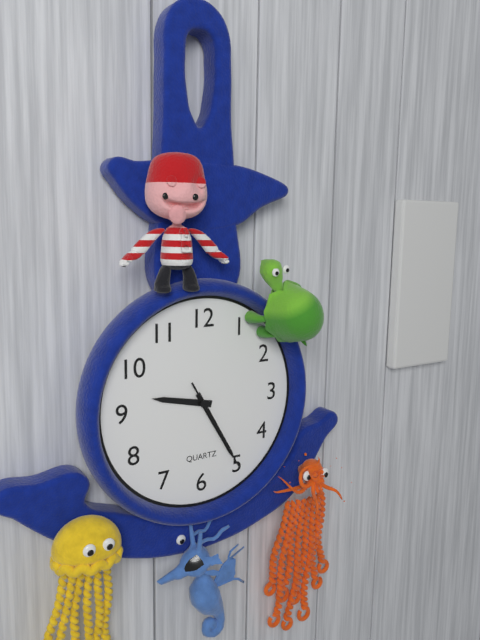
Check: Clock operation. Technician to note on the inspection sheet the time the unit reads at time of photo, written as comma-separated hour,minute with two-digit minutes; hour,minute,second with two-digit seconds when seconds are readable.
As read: 9,25,25
